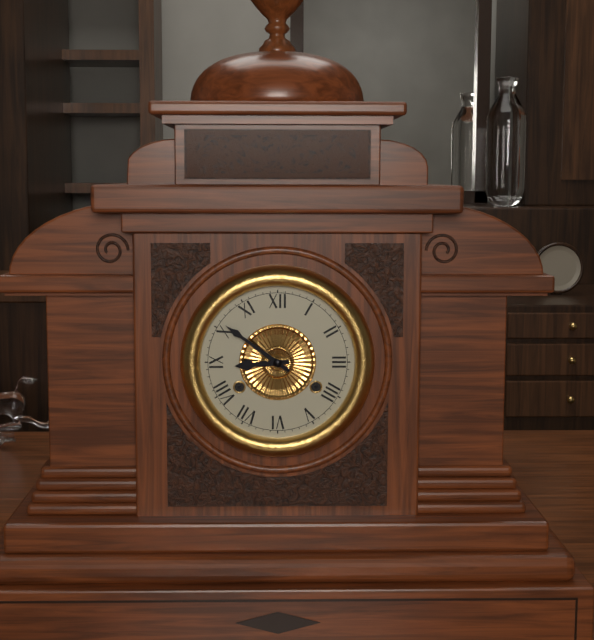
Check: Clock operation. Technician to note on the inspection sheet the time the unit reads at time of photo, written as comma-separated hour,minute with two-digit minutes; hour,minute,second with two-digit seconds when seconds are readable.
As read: 8,51
